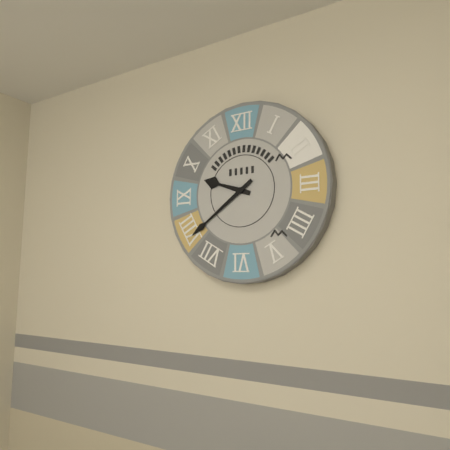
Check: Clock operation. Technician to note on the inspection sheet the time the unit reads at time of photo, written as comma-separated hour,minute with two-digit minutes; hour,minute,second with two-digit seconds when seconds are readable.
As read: 9,39
